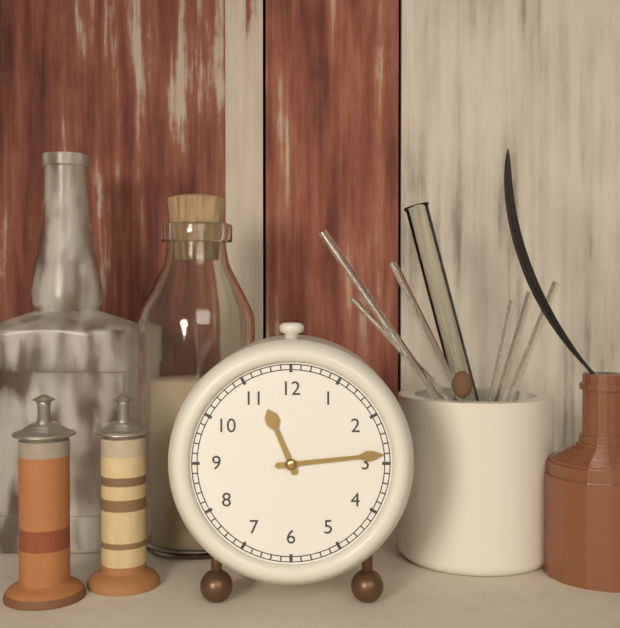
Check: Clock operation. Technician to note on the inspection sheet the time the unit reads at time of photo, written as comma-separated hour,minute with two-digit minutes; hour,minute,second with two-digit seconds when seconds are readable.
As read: 11,14
